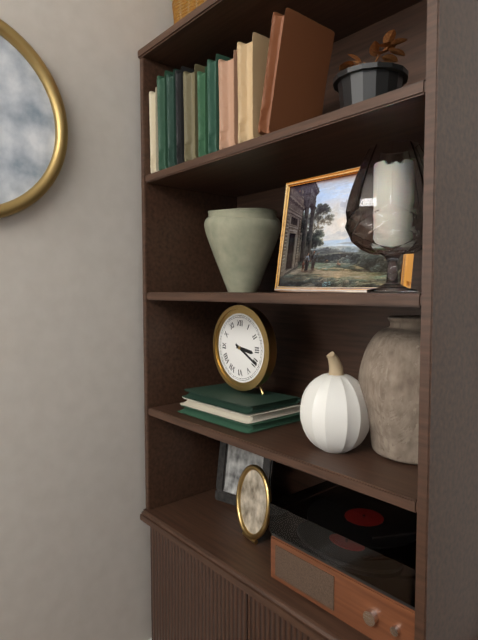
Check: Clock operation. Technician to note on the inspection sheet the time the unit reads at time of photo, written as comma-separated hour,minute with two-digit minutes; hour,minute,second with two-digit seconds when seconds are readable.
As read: 3,20
